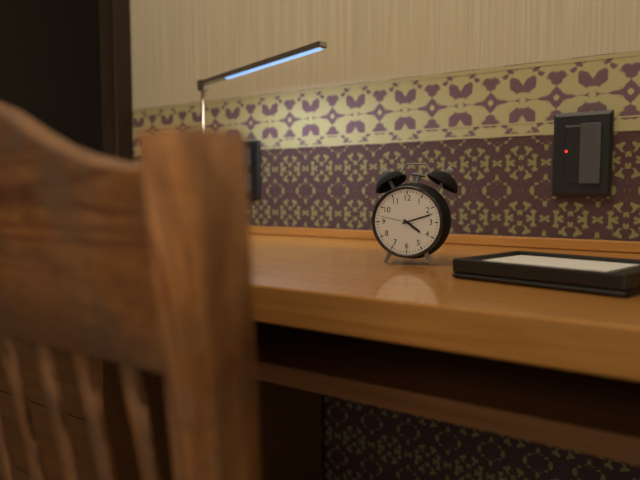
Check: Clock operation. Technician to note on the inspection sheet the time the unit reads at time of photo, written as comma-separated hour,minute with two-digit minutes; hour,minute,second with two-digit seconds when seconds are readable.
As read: 4,12
